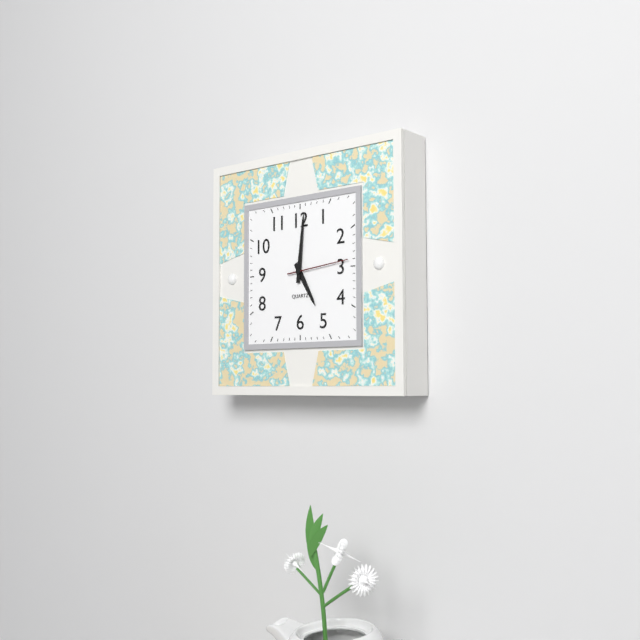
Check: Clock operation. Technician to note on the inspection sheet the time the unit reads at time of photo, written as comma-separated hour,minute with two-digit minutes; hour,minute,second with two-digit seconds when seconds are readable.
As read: 5,01,14
